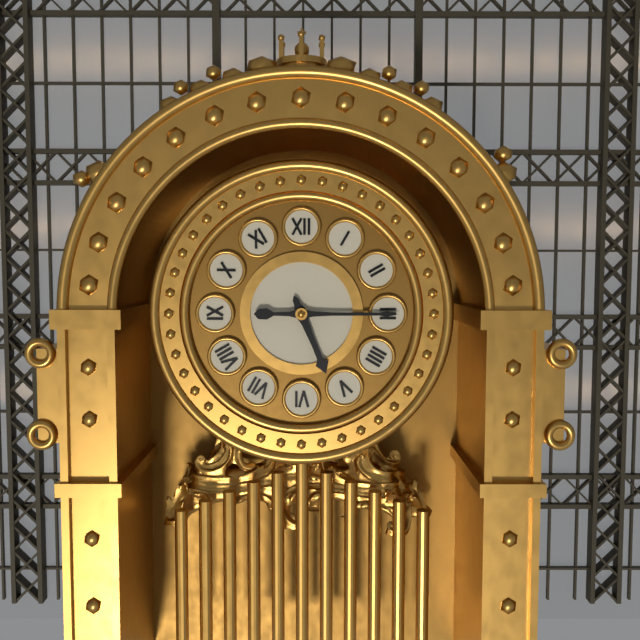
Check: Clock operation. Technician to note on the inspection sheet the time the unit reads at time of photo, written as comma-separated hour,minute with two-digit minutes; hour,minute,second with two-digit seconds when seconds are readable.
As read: 5,15
